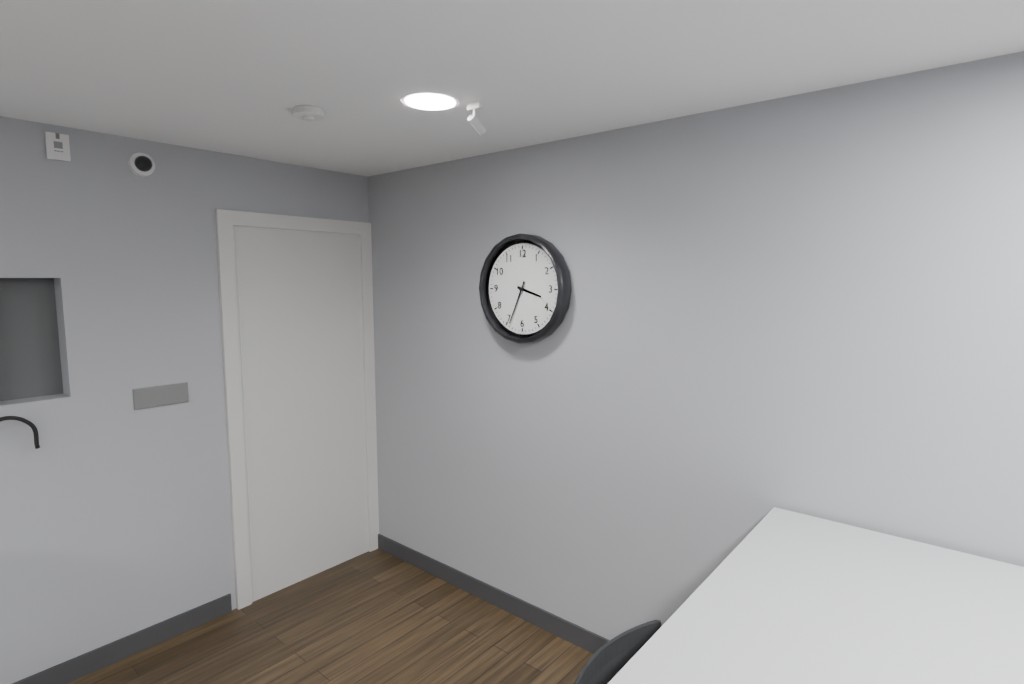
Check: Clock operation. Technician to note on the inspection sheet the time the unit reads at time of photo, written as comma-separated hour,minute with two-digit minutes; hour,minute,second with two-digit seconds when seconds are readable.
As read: 3,34
